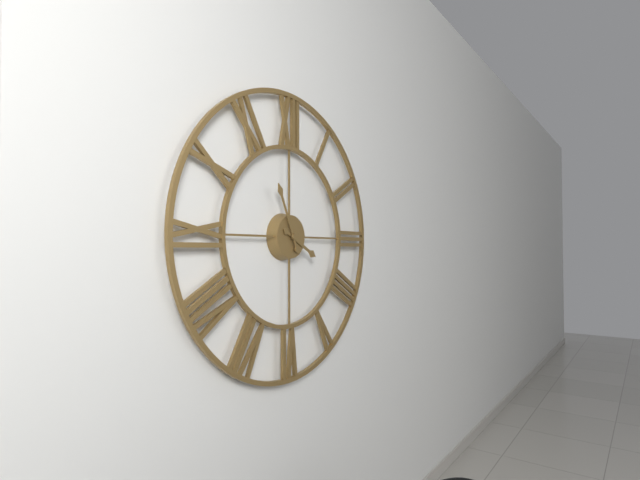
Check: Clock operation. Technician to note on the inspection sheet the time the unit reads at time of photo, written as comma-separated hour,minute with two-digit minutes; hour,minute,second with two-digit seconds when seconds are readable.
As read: 3,56
